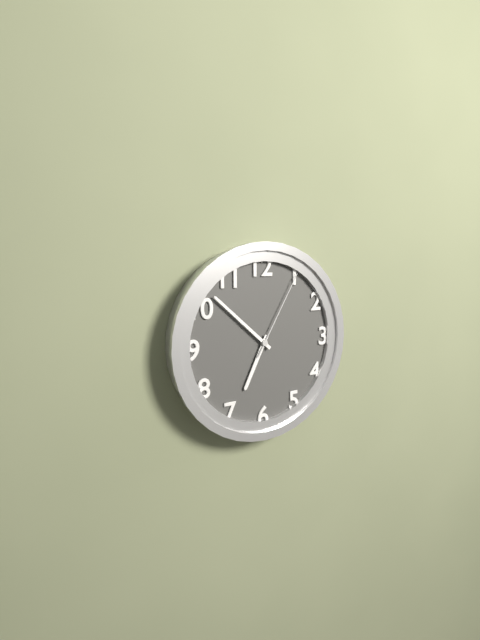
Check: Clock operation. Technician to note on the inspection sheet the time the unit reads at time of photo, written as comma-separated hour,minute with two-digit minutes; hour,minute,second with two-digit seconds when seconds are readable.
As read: 6,52,05
